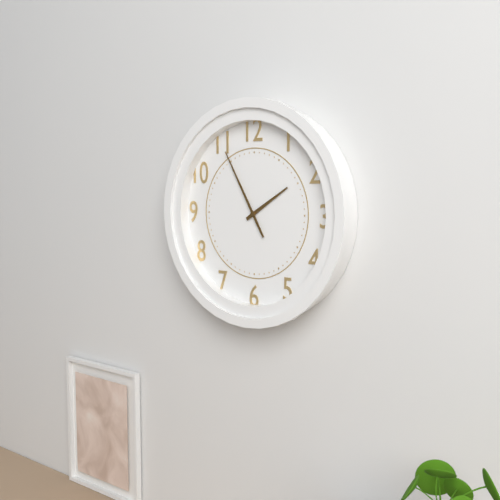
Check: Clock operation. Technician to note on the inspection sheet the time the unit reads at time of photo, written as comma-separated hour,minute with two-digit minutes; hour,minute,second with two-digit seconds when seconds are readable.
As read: 1,55
